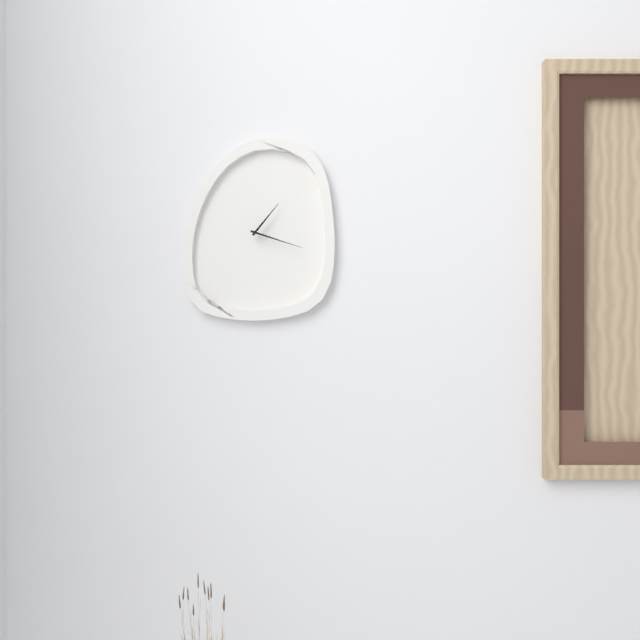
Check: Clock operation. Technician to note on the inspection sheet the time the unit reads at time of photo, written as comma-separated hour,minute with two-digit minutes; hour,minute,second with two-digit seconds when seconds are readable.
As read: 1,18
